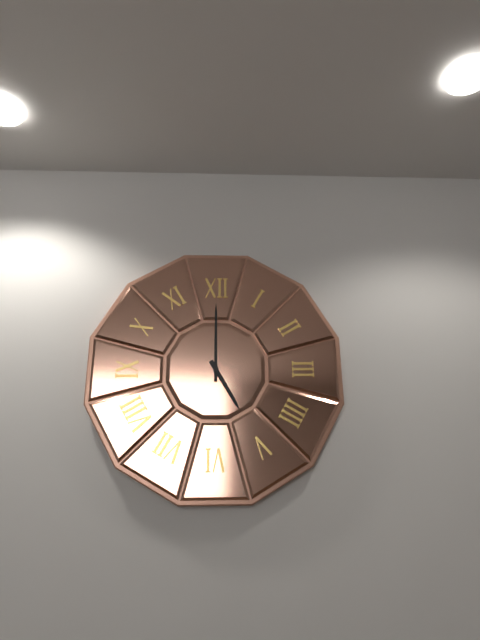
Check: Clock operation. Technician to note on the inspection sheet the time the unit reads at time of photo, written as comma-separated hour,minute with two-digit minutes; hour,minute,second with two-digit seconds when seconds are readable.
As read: 5,00
